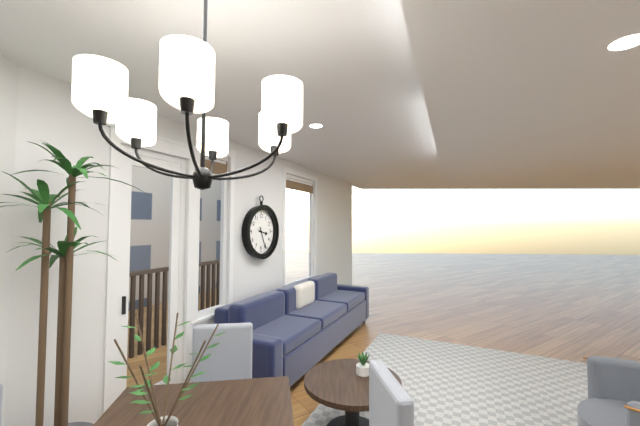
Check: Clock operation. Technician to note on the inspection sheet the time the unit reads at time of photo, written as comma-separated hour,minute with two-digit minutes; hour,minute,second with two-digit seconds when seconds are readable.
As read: 3,26
